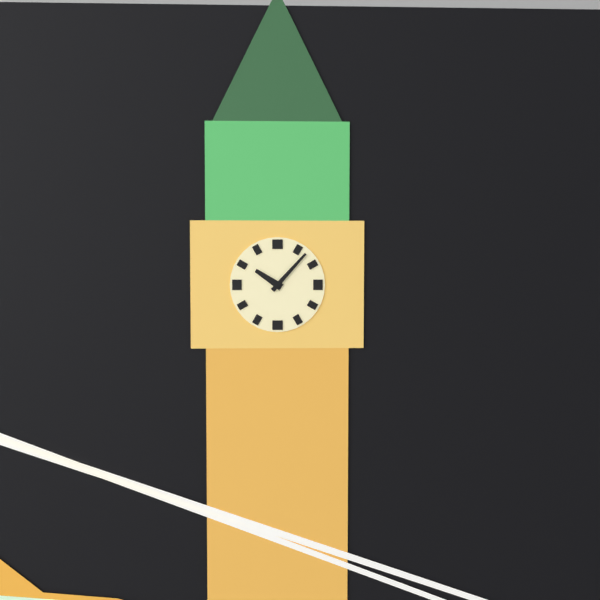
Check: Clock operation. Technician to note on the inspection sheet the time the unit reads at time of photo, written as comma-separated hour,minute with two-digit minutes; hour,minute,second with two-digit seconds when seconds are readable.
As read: 10,07
